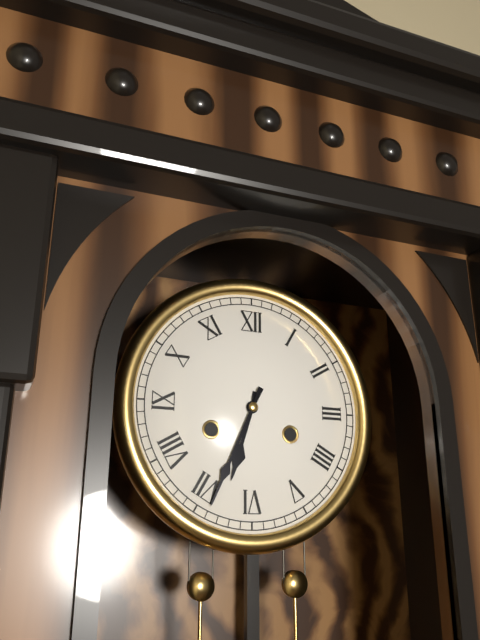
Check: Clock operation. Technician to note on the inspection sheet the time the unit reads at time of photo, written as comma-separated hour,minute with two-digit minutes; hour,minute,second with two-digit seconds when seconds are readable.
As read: 6,34
